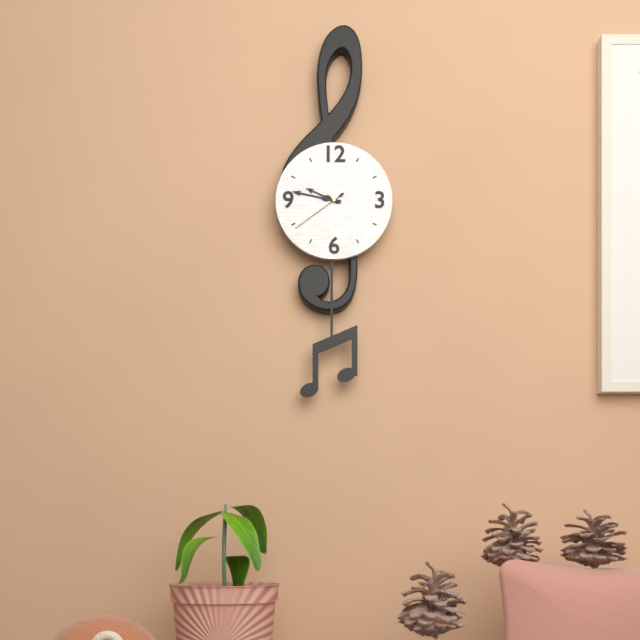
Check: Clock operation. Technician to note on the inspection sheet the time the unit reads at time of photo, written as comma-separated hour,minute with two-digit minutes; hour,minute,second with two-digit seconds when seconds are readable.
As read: 9,47,39
